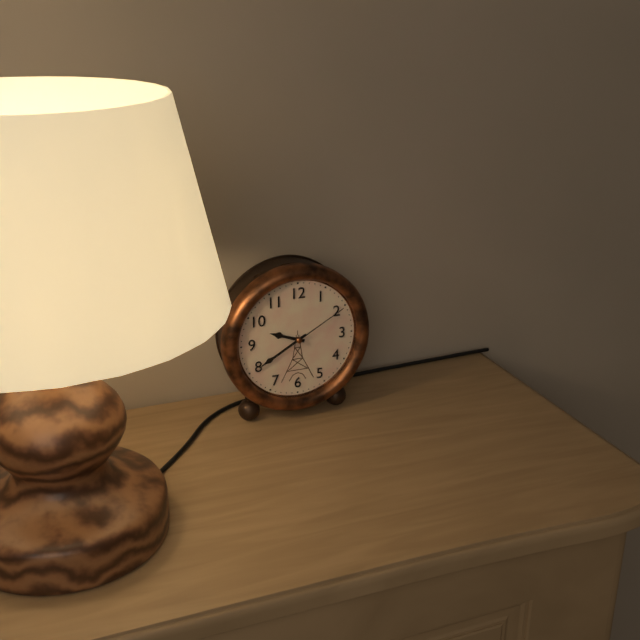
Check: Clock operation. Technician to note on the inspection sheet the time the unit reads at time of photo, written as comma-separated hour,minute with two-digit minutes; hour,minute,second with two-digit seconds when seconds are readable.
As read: 9,40,10
